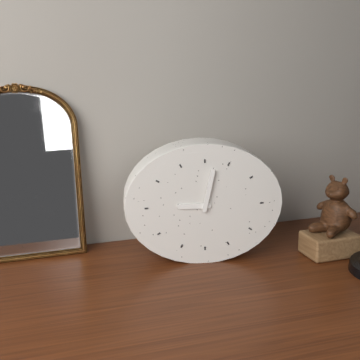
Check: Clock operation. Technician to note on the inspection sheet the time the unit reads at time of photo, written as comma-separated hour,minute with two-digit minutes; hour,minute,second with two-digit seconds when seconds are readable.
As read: 9,02
